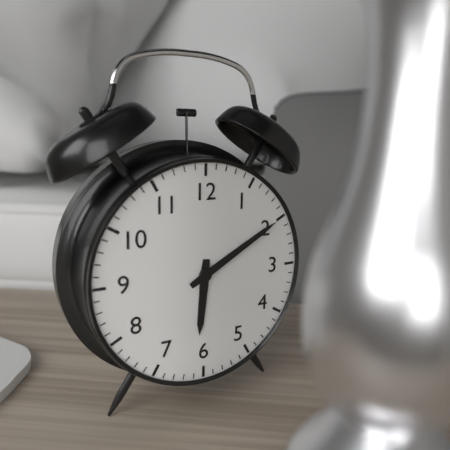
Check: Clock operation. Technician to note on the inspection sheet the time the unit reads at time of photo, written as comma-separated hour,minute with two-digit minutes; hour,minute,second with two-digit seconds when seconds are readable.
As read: 6,10
